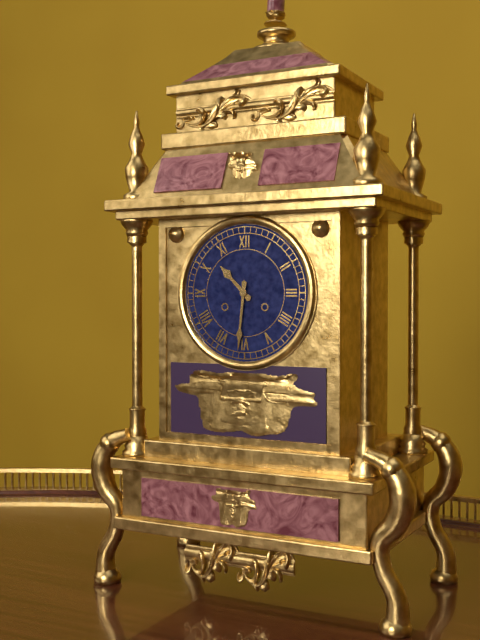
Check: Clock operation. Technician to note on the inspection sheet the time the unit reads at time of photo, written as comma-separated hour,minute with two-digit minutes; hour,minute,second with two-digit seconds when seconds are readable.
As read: 10,31
